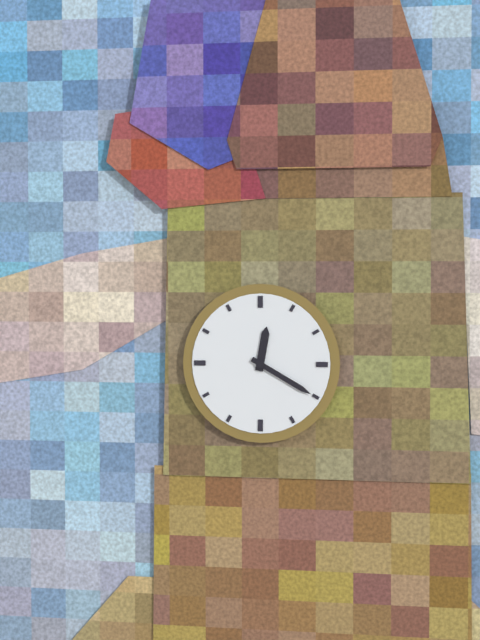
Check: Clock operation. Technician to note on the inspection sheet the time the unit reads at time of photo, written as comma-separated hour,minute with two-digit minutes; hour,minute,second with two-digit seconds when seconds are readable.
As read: 12,20
